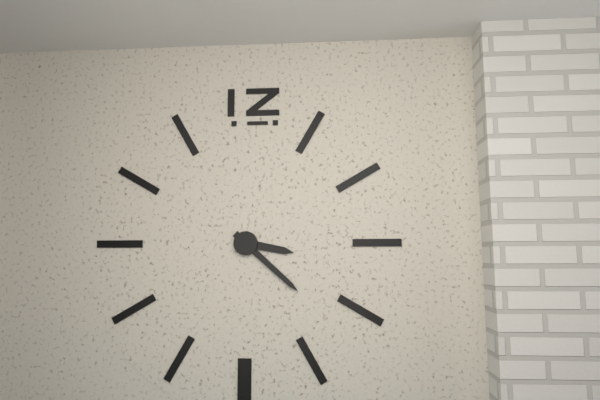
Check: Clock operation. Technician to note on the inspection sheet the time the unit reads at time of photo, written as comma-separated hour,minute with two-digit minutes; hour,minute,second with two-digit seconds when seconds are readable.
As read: 3,22
